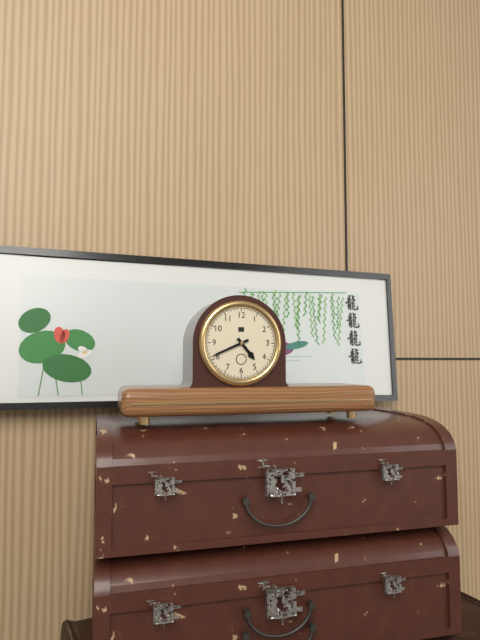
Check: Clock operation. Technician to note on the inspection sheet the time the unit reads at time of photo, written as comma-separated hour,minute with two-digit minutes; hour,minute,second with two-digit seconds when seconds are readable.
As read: 4,41
